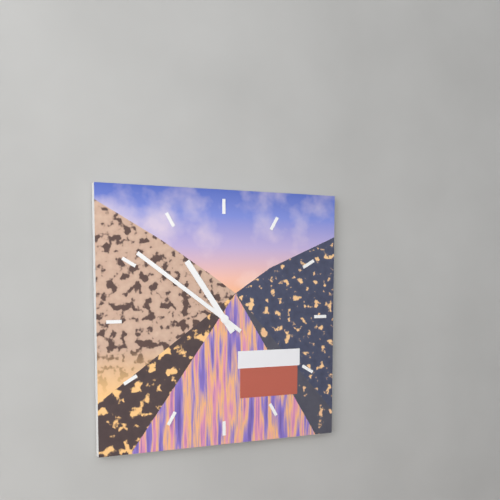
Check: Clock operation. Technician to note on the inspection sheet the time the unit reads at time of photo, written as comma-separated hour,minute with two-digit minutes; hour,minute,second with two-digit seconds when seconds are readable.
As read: 10,51
